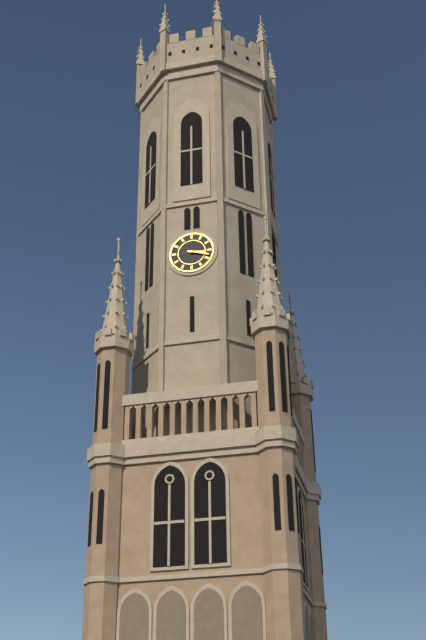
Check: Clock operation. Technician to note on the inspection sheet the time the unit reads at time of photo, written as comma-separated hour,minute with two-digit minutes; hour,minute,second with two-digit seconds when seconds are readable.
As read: 3,18
